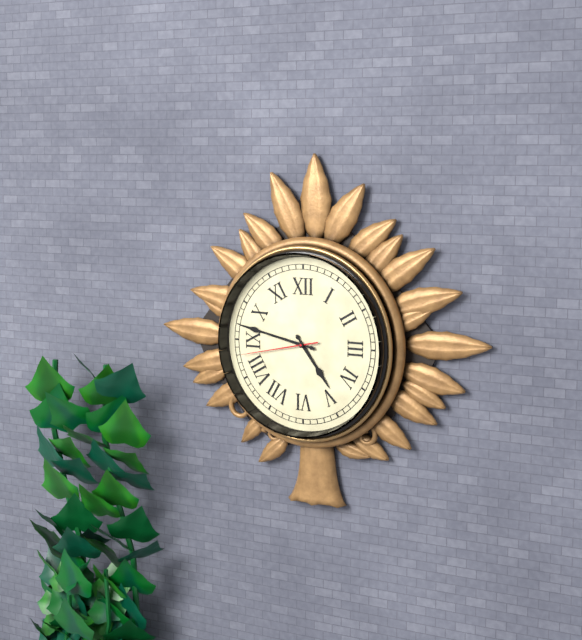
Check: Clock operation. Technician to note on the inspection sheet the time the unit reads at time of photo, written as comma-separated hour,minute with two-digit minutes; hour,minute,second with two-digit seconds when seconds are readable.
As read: 4,47,43
